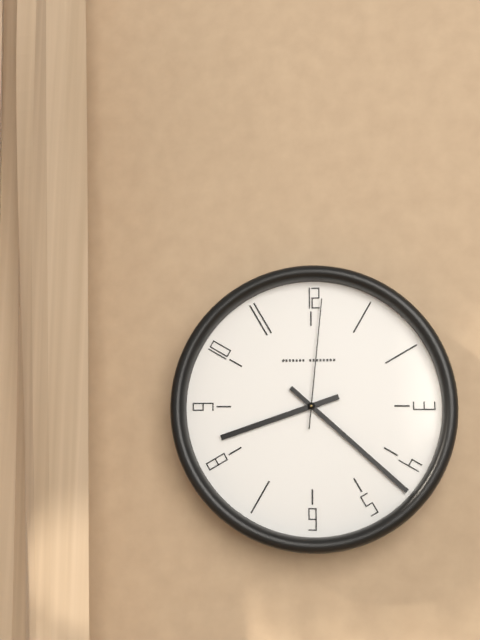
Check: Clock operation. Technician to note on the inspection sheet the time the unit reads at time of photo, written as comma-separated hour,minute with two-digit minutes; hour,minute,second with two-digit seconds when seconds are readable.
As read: 8,22,01
